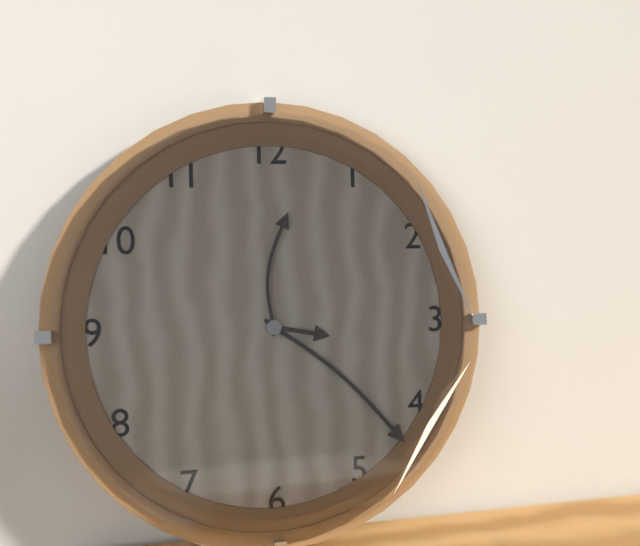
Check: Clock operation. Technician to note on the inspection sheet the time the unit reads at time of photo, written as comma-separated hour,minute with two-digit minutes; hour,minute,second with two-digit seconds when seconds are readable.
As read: 3,22,01
